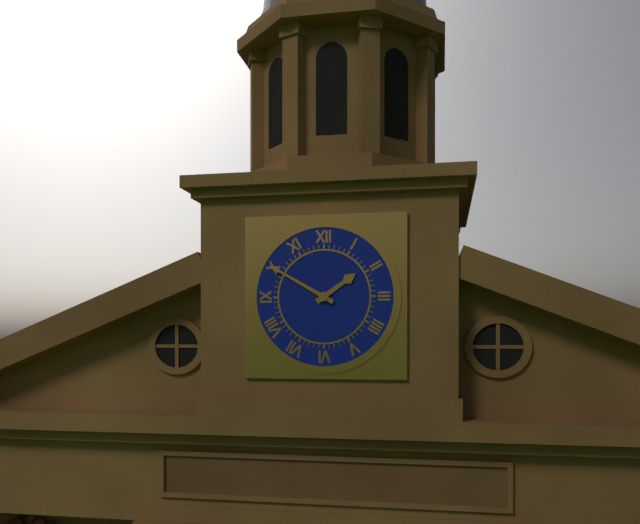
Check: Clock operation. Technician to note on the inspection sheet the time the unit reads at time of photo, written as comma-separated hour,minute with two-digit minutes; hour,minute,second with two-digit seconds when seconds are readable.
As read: 1,50
